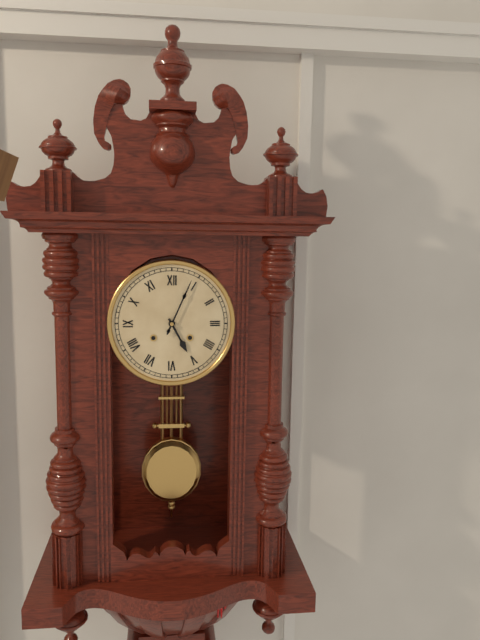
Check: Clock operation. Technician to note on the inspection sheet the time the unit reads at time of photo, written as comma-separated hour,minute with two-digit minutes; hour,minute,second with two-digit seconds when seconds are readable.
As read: 5,04
